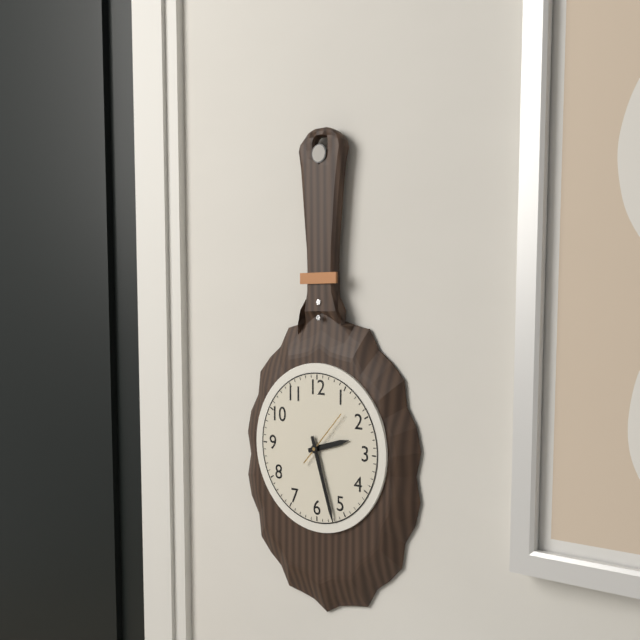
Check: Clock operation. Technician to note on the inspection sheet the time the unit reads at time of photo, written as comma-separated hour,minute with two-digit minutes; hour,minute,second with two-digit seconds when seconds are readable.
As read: 2,27,07
